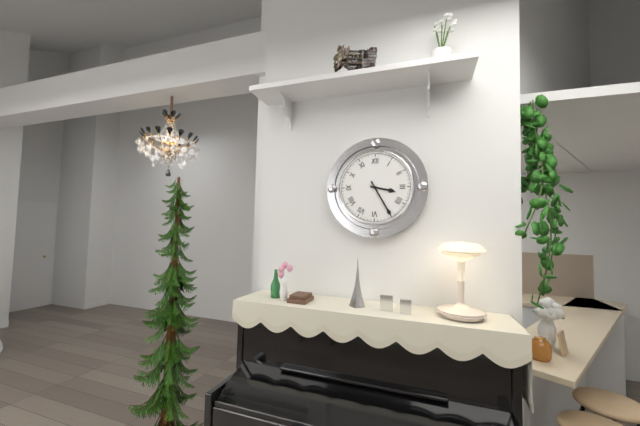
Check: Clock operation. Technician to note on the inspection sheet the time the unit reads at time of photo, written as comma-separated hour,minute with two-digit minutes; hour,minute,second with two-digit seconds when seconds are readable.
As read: 3,25
